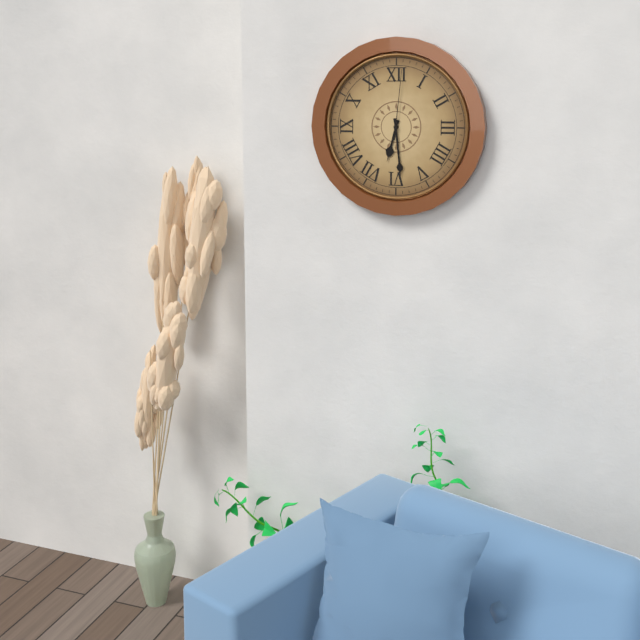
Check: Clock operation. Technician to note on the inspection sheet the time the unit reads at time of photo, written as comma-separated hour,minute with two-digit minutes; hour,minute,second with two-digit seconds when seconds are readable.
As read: 6,29,01
